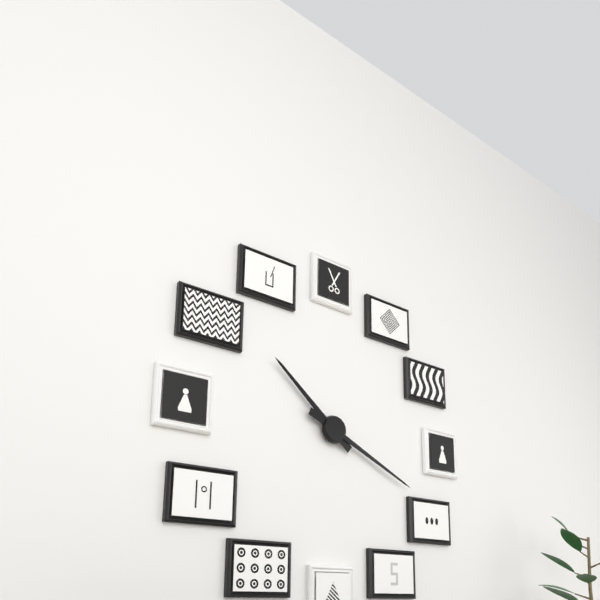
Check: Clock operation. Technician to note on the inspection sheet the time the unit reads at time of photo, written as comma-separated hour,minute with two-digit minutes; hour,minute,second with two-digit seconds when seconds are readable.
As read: 10,19
